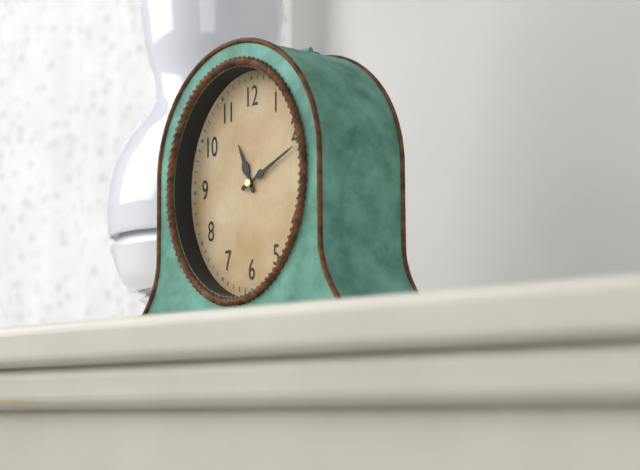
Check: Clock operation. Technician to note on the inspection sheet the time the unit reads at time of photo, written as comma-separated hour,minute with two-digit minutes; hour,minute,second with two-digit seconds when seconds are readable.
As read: 11,11
